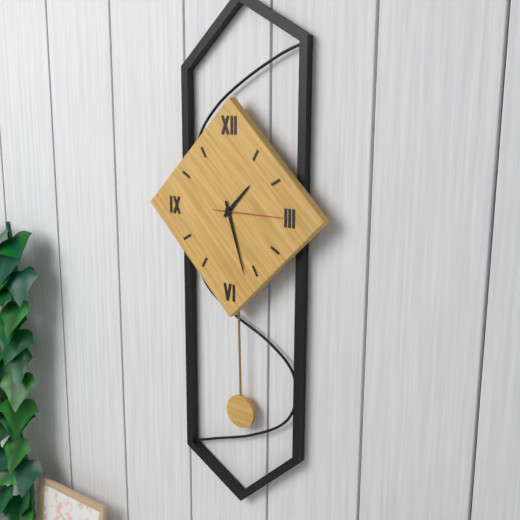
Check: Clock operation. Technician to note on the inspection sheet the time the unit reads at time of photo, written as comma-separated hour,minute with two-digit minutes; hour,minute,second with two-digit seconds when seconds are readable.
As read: 1,27,15
